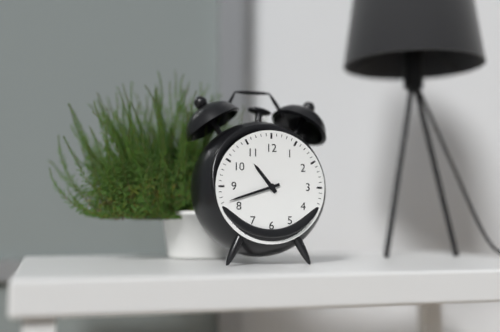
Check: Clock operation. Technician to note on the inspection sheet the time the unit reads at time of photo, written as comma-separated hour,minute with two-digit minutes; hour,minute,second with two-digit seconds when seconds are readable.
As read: 10,42
